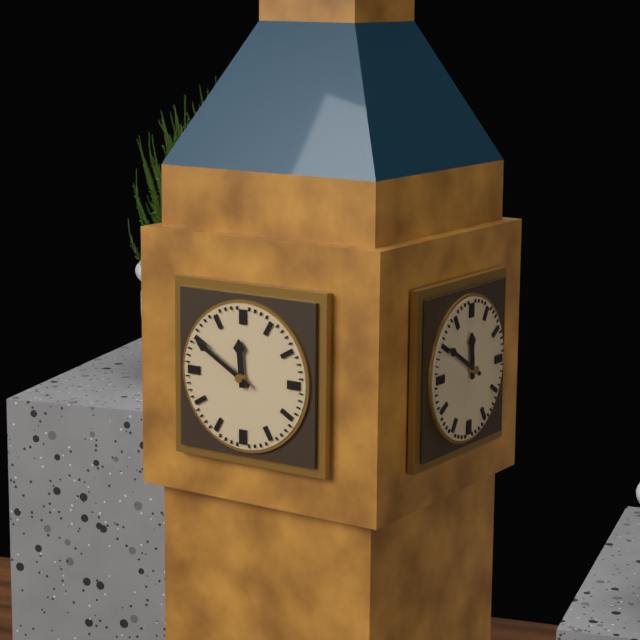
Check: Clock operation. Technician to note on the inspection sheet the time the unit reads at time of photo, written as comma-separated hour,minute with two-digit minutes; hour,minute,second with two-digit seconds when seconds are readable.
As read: 11,50
